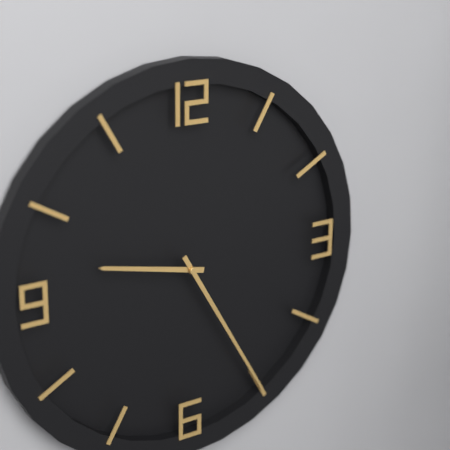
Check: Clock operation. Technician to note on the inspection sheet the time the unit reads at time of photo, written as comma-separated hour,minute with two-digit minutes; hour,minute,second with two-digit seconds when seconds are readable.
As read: 9,25
